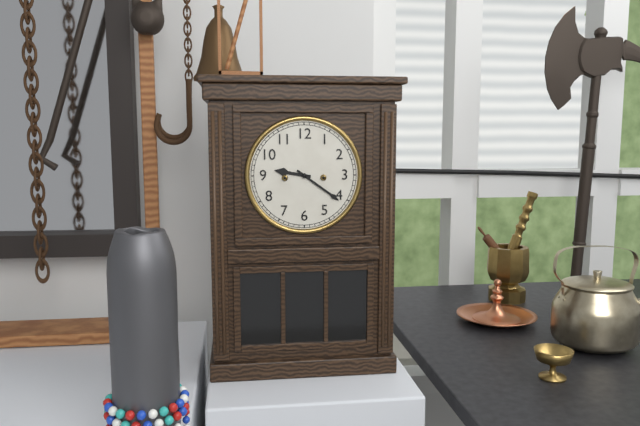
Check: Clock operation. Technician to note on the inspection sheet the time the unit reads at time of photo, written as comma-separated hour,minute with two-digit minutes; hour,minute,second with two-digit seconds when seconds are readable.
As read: 9,21
